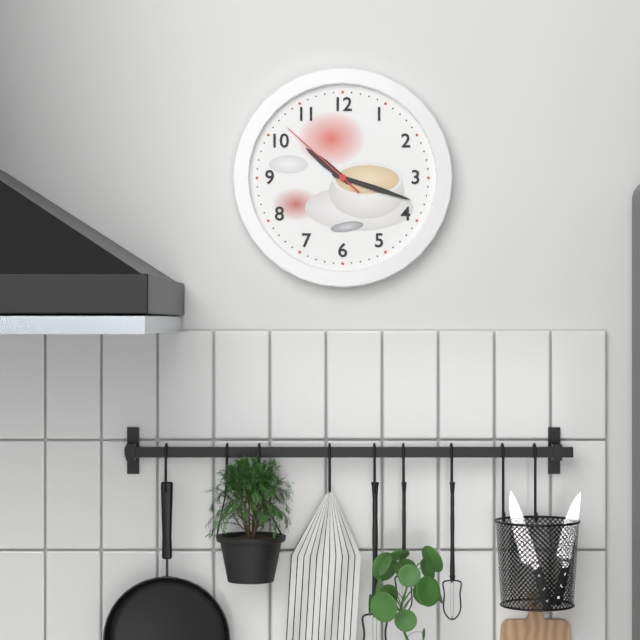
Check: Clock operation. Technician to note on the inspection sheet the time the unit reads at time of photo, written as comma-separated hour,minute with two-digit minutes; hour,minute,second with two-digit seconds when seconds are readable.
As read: 10,18,52
